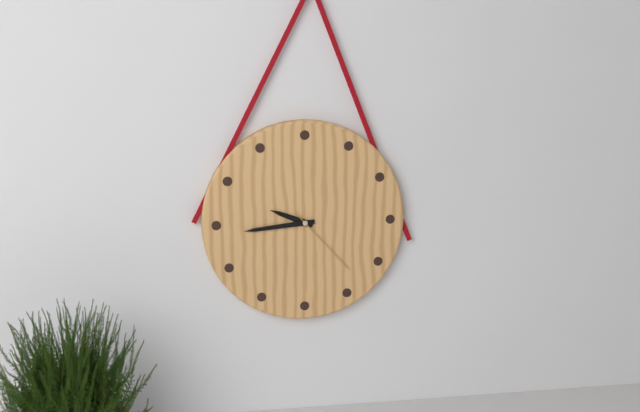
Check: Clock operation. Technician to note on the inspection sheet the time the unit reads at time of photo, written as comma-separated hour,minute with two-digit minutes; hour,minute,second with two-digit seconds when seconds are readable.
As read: 9,44,23
